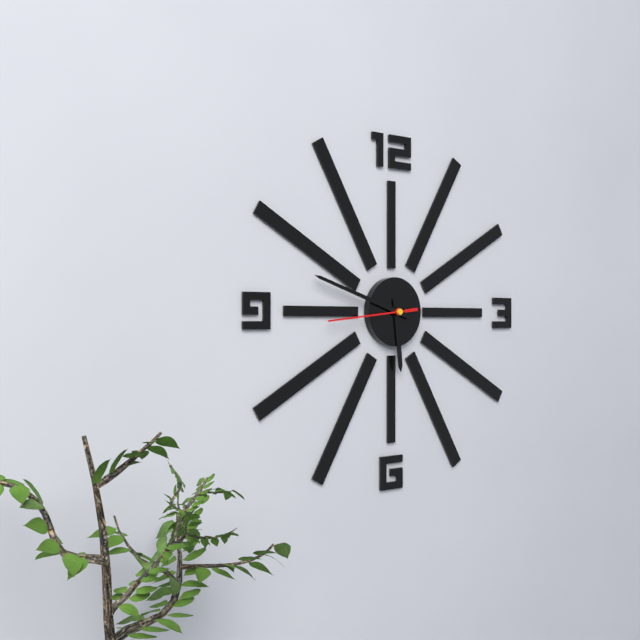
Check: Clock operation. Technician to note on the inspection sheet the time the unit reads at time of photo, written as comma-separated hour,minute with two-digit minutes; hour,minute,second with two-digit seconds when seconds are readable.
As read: 5,48,44
